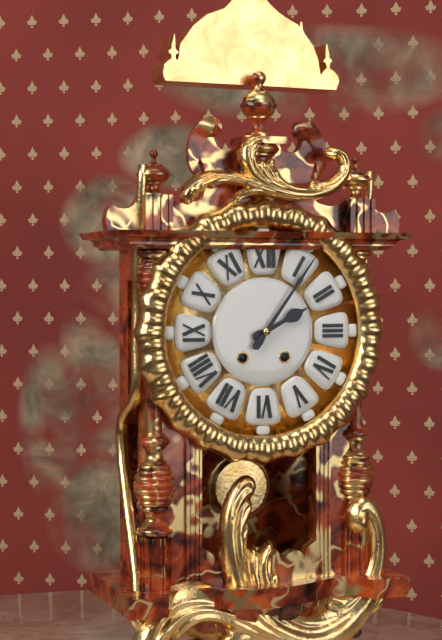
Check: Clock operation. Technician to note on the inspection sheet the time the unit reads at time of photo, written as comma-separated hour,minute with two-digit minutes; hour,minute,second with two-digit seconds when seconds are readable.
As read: 2,06
